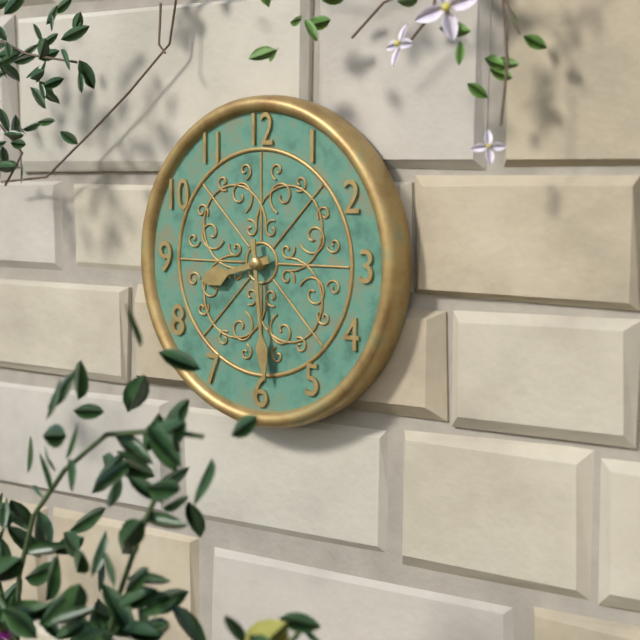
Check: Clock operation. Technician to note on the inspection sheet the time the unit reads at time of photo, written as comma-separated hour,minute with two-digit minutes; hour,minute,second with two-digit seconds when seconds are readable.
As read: 8,29
